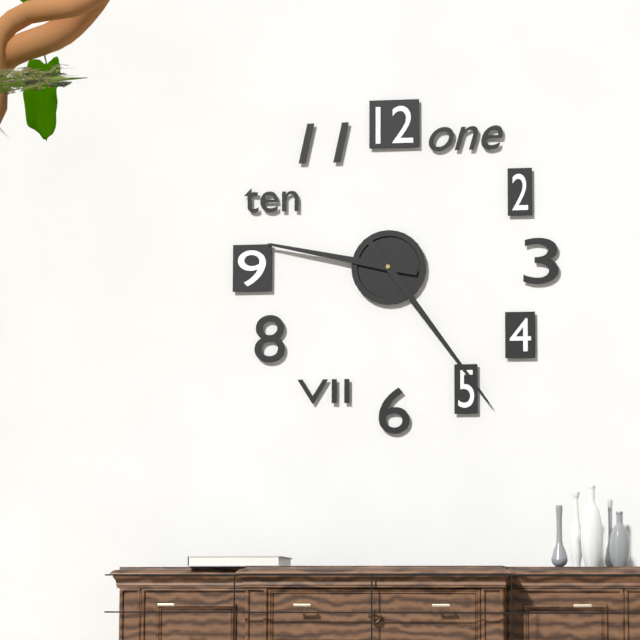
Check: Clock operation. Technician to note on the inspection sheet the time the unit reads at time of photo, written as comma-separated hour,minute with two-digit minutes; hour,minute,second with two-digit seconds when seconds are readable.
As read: 9,24
